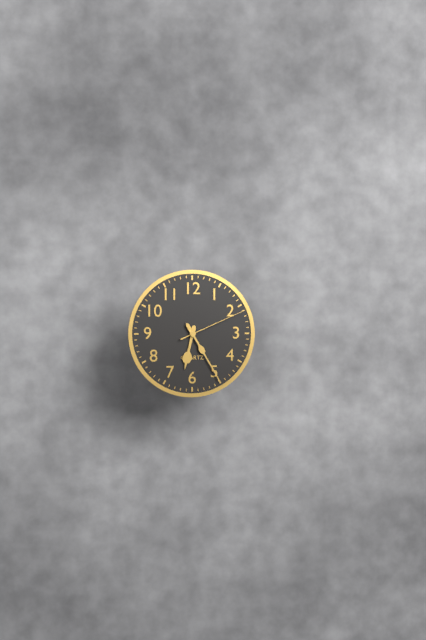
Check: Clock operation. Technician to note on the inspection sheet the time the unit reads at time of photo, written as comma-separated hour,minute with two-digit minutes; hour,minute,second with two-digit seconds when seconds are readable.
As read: 6,25,11
